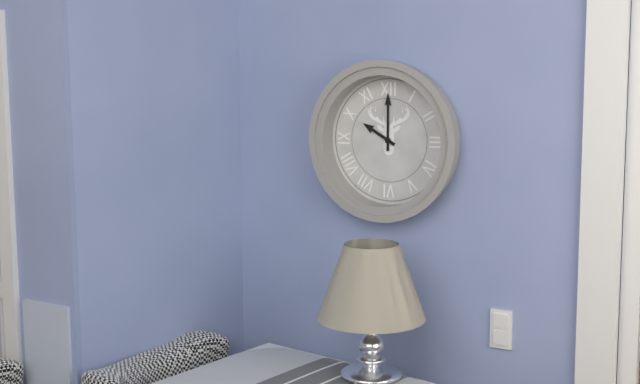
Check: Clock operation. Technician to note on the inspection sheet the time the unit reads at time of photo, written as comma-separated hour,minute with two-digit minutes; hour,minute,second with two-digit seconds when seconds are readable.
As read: 10,00
